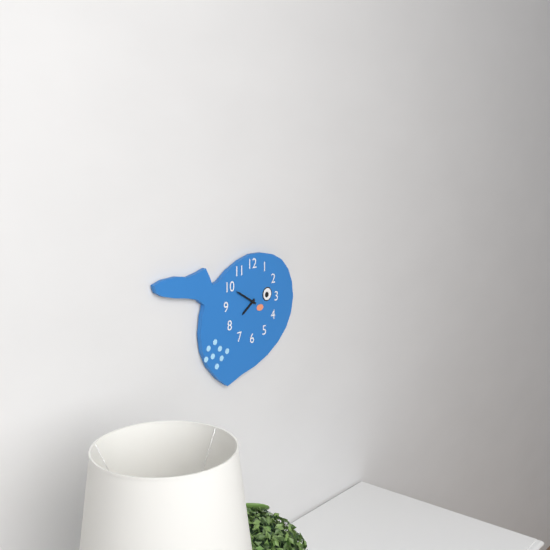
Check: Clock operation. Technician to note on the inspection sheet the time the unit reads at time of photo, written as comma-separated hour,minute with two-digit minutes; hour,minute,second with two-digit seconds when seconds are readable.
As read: 7,50
